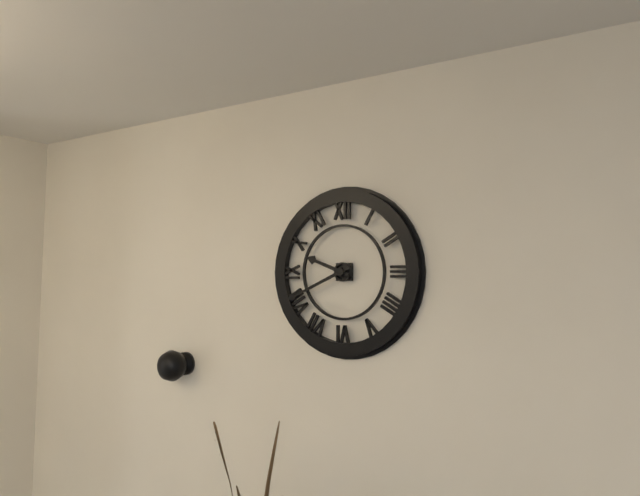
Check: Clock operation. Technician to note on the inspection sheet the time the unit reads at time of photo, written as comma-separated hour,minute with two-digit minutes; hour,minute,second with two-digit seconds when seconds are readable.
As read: 9,41
